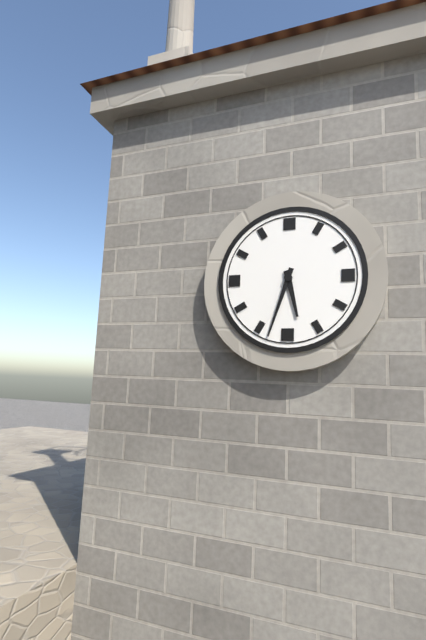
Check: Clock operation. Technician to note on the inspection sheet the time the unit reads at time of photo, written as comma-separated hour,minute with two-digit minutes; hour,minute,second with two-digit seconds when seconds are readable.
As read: 5,33
